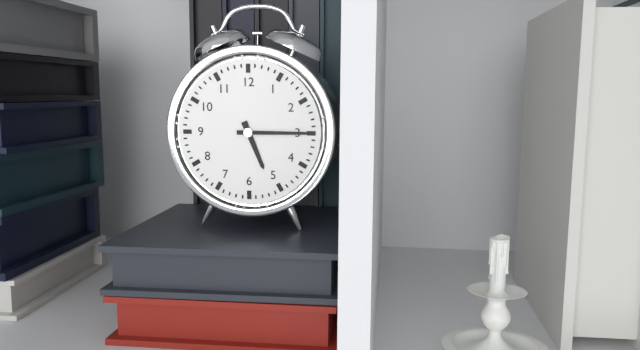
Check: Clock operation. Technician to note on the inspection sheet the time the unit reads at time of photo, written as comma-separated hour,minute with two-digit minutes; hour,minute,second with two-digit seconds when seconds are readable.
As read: 5,15
